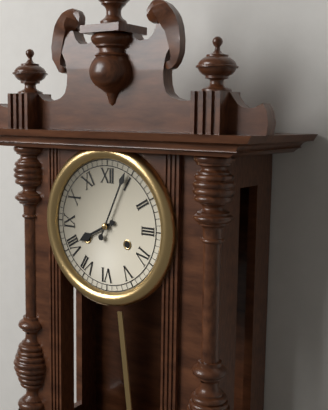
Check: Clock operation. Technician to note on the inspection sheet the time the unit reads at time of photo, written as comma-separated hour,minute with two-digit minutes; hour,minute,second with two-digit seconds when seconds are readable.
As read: 8,04
